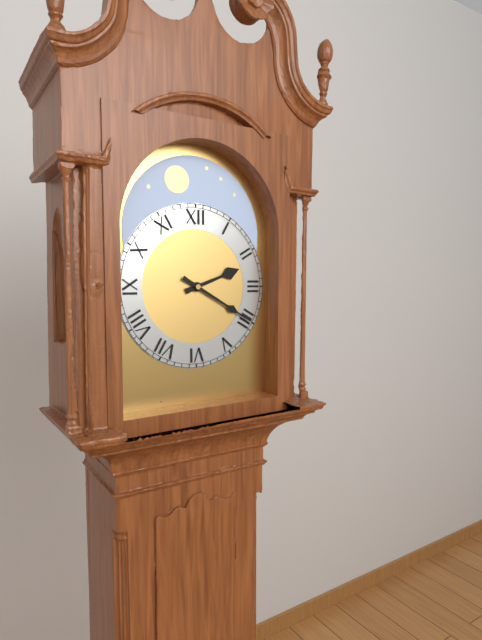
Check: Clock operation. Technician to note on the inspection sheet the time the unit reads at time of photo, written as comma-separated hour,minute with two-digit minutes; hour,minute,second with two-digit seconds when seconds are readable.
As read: 2,20
